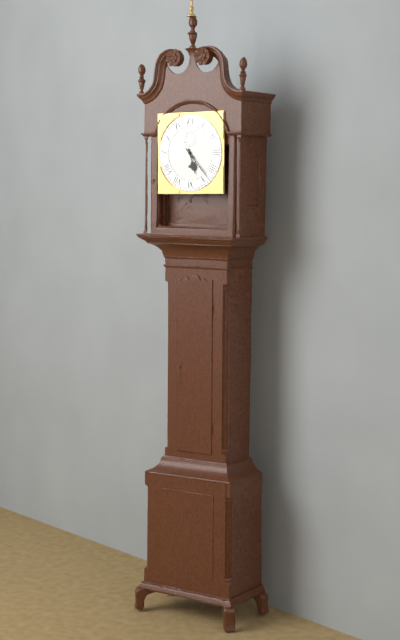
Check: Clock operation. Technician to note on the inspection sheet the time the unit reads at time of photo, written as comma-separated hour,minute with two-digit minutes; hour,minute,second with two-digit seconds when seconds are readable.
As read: 5,23
